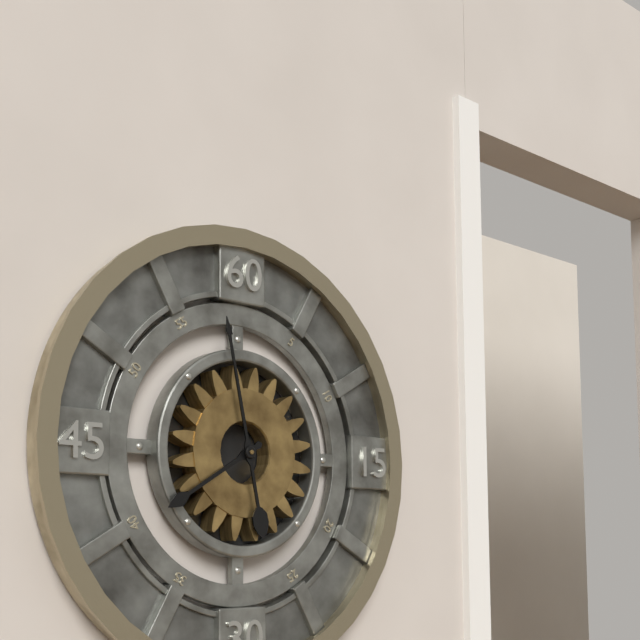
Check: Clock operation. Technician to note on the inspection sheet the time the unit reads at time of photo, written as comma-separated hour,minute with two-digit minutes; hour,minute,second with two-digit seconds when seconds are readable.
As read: 7,58
